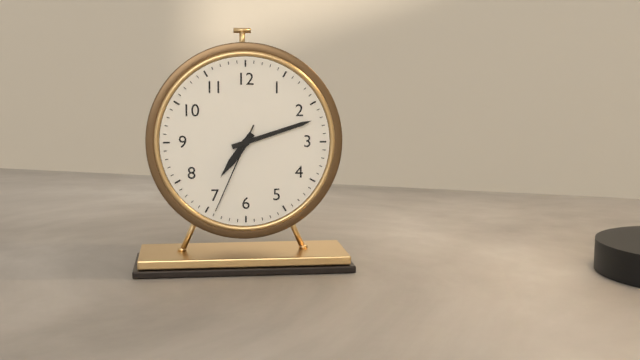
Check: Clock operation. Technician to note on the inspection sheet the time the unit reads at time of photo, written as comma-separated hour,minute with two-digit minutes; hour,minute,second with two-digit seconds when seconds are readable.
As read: 7,12,34
